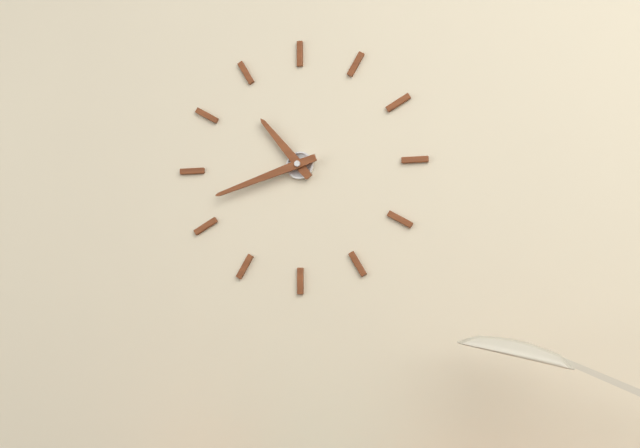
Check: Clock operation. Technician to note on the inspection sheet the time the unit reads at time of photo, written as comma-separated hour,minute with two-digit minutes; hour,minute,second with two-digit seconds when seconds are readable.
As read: 10,42
